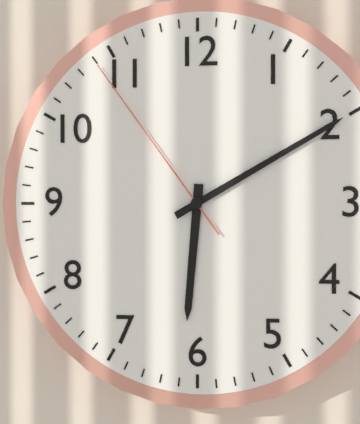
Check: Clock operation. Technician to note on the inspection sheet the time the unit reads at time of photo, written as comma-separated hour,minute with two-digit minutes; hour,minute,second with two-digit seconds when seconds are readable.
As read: 6,10,54
